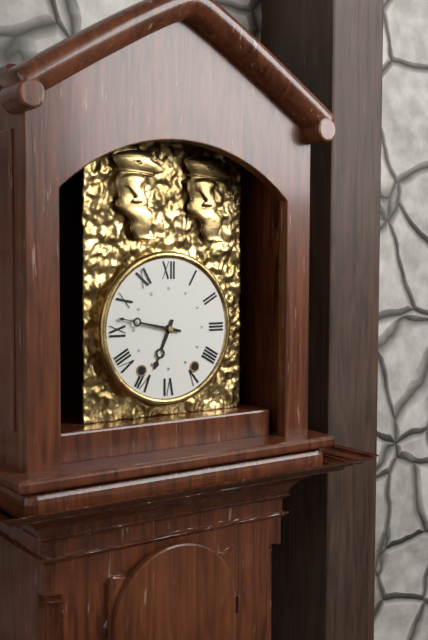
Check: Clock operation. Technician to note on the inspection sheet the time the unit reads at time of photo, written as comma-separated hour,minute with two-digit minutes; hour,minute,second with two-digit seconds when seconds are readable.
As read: 6,47
